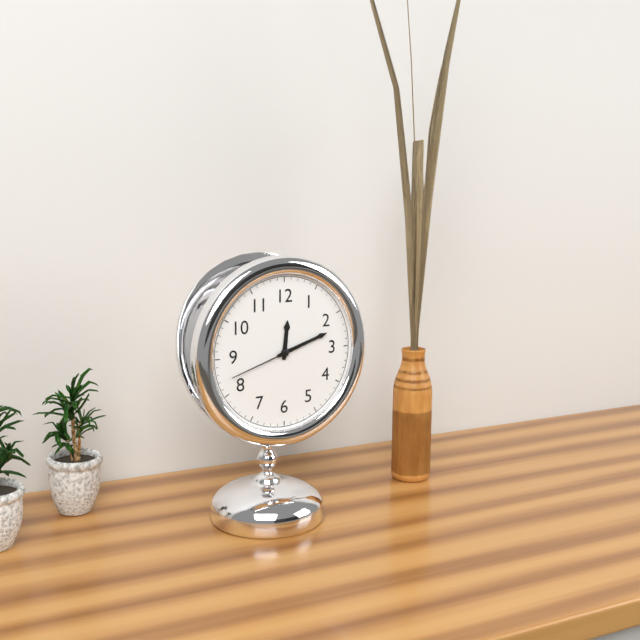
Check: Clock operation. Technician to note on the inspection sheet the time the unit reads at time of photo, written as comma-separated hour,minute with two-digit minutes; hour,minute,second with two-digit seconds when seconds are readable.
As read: 12,12,42
